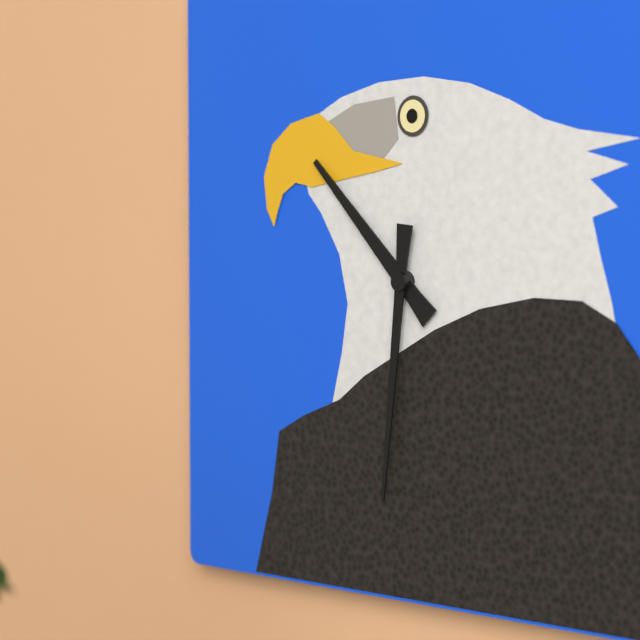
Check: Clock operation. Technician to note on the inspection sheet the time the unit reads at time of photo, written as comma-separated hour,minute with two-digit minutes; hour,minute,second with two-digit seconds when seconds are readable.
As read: 10,31
